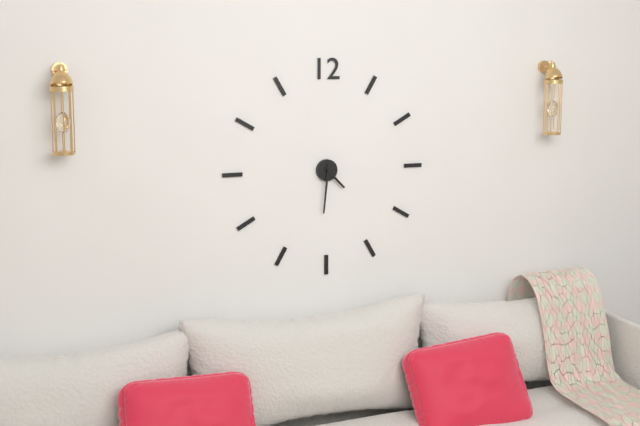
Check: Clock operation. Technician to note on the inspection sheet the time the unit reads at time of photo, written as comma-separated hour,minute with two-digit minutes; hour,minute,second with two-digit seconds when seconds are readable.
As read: 4,31
